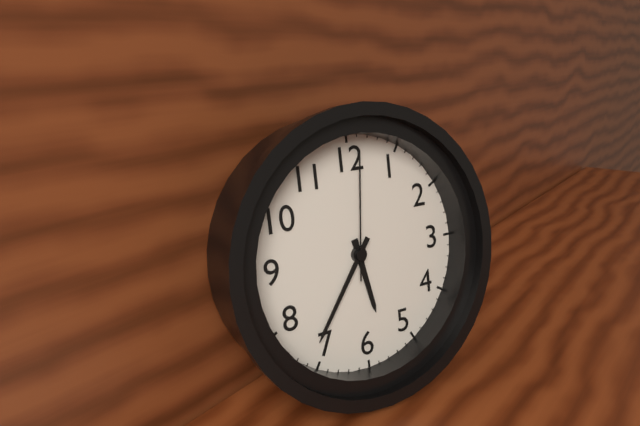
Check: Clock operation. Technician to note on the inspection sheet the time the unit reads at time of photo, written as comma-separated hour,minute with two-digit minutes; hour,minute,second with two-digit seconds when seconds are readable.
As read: 5,36,01
